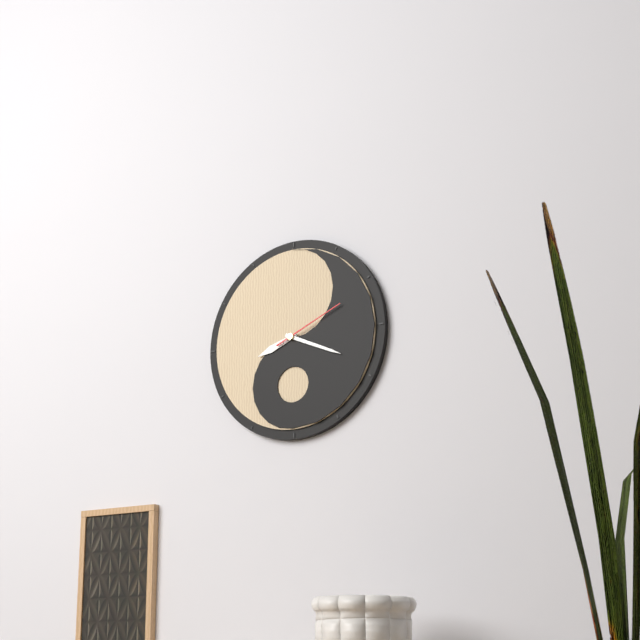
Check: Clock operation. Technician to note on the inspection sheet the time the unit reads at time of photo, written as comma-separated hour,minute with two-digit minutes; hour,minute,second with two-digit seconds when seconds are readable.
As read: 8,19,11
